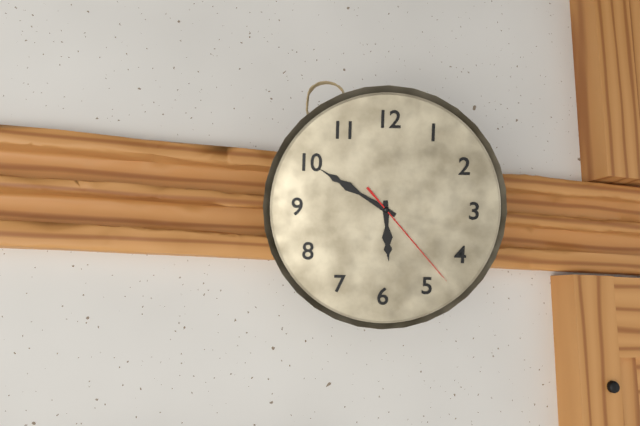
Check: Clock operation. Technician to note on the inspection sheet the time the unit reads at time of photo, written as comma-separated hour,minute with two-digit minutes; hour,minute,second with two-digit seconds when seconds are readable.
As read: 5,50,23
